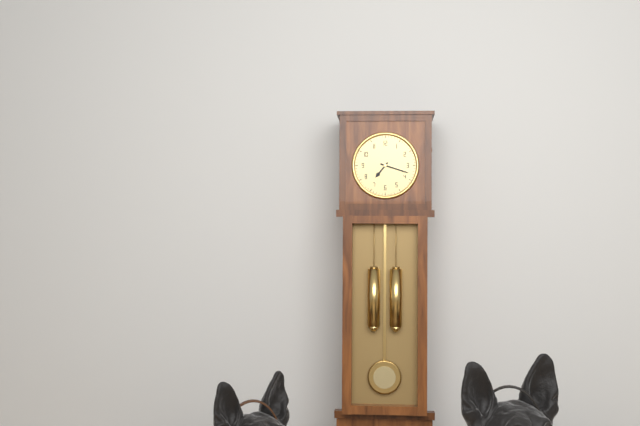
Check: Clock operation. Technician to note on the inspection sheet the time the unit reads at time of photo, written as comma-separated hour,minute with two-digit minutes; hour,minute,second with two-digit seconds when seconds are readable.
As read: 7,18
